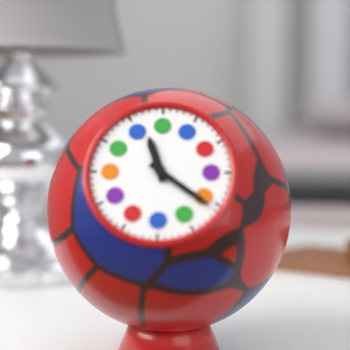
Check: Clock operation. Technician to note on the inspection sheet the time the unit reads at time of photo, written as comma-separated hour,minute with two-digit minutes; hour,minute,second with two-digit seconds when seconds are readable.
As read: 11,21
